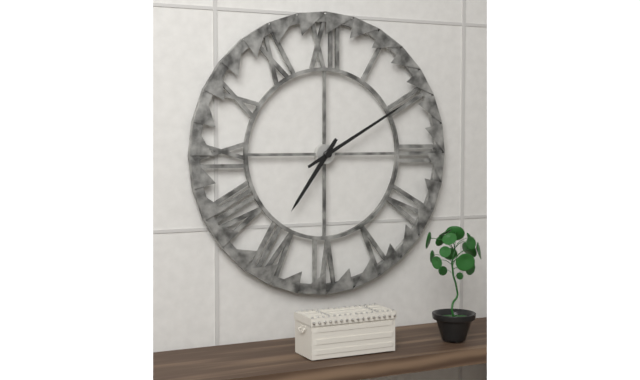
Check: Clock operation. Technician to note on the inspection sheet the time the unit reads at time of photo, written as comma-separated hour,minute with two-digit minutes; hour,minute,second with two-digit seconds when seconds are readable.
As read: 7,10
